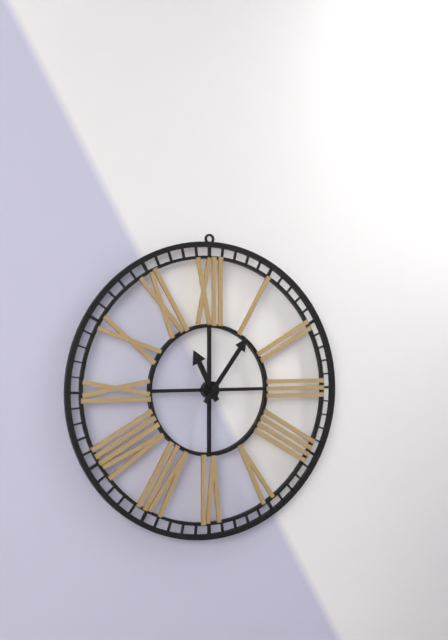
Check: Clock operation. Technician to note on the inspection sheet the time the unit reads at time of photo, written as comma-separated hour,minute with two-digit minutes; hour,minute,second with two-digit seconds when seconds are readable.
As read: 11,06
